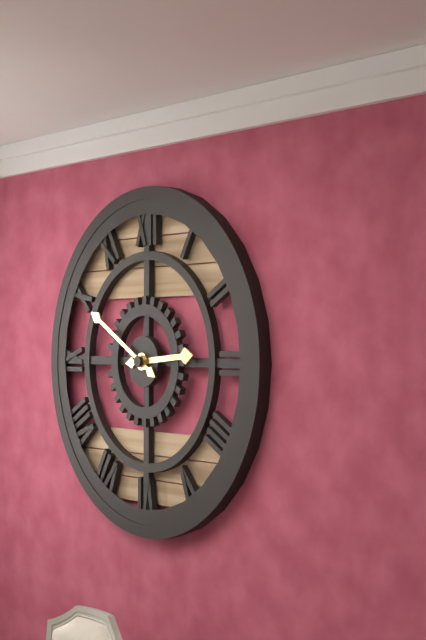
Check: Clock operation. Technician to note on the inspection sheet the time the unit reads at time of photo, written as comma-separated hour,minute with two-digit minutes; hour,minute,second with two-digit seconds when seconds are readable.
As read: 2,50
